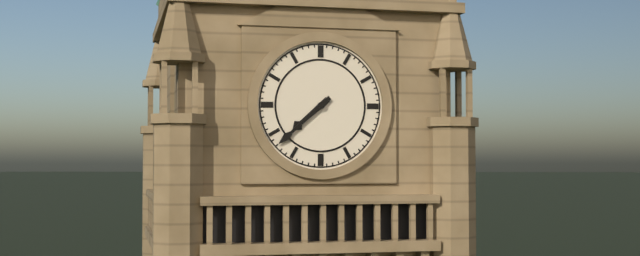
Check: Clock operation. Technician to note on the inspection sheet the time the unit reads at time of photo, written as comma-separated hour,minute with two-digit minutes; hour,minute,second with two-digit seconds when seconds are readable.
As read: 7,38
